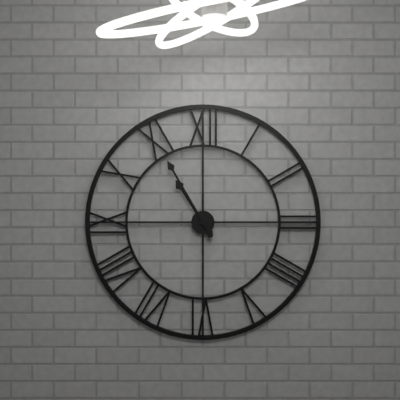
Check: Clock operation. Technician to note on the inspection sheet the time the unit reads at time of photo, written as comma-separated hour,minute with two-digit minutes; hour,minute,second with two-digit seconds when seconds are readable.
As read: 10,55
